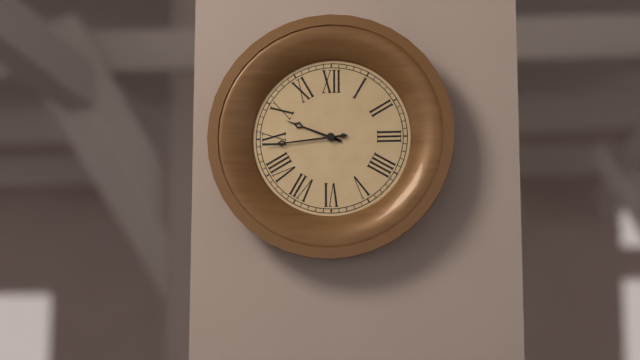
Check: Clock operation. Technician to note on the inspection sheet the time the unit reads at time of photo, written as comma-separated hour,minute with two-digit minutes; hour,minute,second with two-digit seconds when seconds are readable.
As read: 9,44
